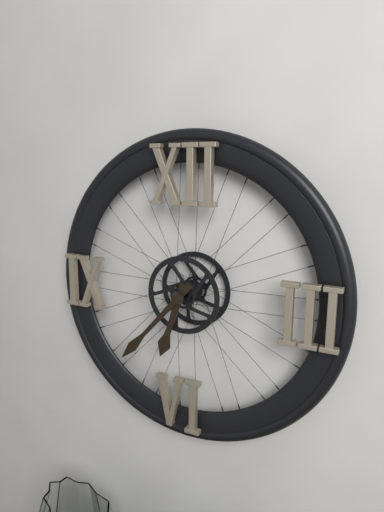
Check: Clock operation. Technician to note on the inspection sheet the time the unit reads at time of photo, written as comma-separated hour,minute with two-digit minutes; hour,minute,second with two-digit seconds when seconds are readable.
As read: 6,37
